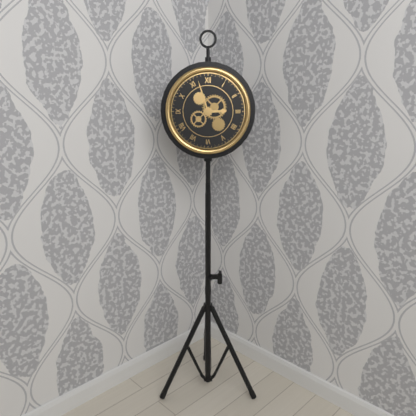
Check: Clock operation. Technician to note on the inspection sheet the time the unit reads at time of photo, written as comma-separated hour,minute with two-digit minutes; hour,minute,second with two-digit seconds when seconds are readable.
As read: 2,57
